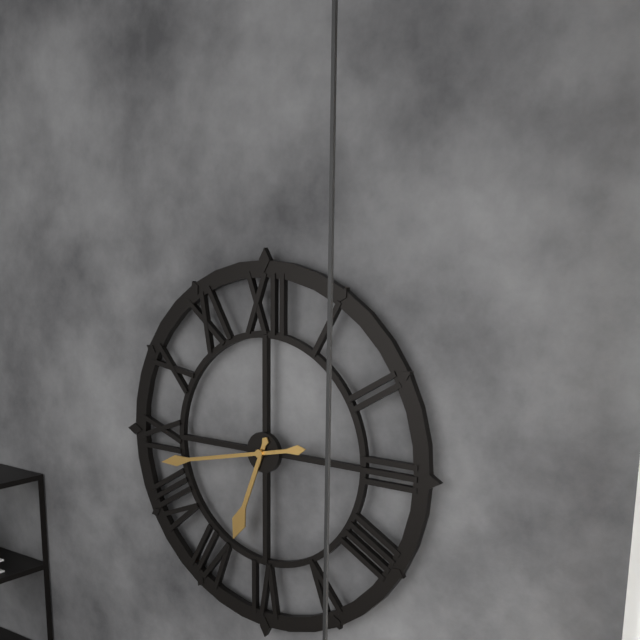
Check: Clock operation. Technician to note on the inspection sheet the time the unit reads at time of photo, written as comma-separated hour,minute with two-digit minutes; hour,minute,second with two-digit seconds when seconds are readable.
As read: 6,43
